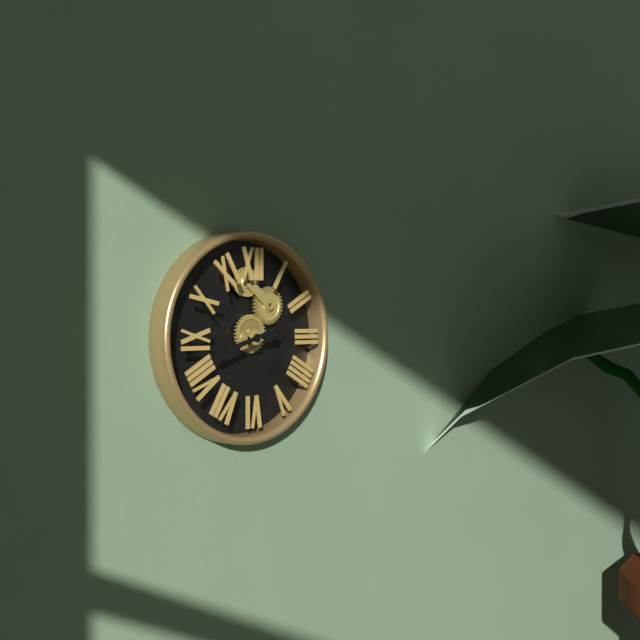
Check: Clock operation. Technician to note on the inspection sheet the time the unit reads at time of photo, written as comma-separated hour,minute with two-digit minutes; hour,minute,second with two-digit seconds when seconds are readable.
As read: 2,42
